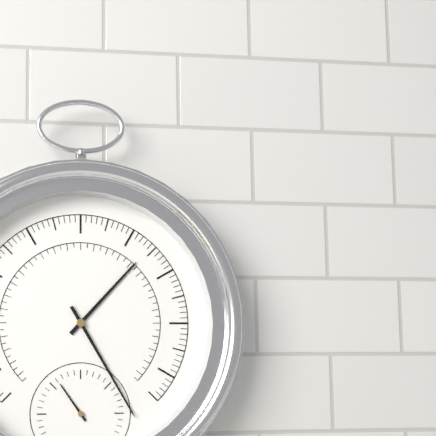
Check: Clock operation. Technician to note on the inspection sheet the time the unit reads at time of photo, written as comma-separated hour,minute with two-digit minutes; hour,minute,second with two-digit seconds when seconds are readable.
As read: 1,25
